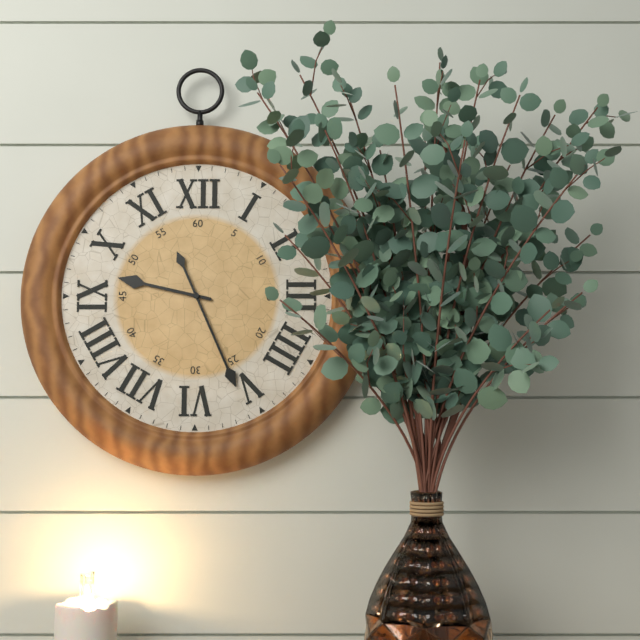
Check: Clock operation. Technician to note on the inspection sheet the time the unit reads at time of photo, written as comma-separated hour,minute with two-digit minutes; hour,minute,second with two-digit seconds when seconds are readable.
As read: 9,26
